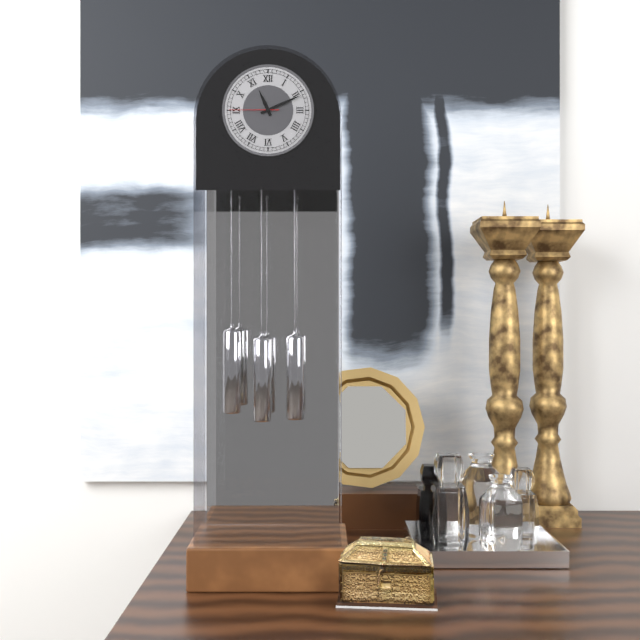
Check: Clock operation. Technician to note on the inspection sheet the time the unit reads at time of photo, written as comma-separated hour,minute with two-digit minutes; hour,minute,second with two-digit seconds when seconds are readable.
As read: 11,11
